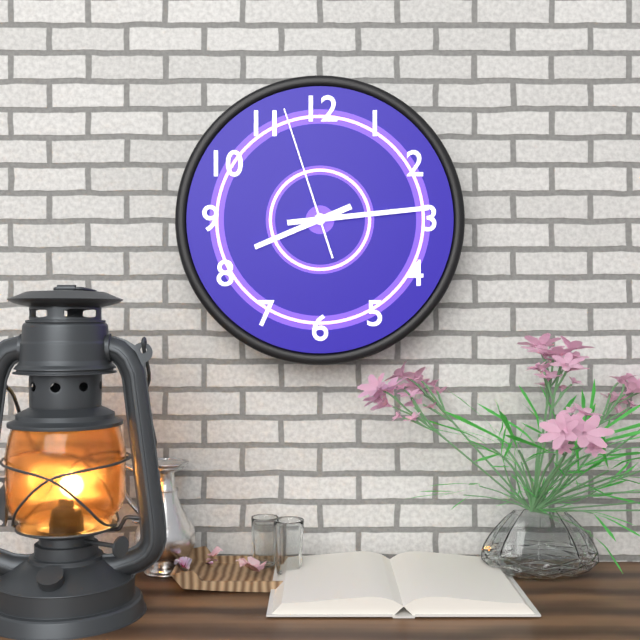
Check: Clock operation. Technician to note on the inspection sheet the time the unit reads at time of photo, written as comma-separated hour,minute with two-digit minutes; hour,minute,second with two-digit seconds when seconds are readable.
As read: 8,14,57
